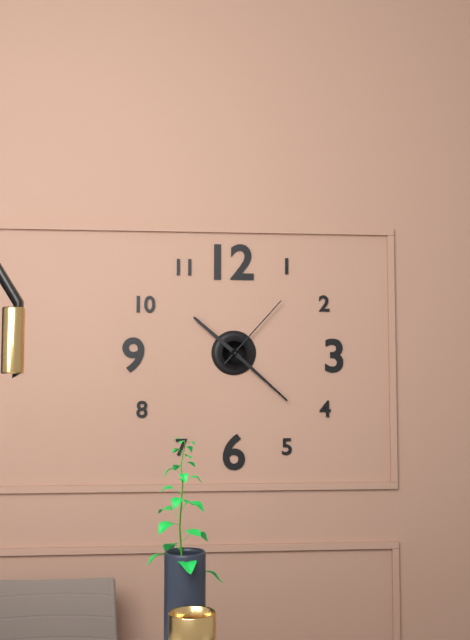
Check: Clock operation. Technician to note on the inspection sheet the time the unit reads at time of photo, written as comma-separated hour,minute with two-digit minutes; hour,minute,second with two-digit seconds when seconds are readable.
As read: 10,22,07
